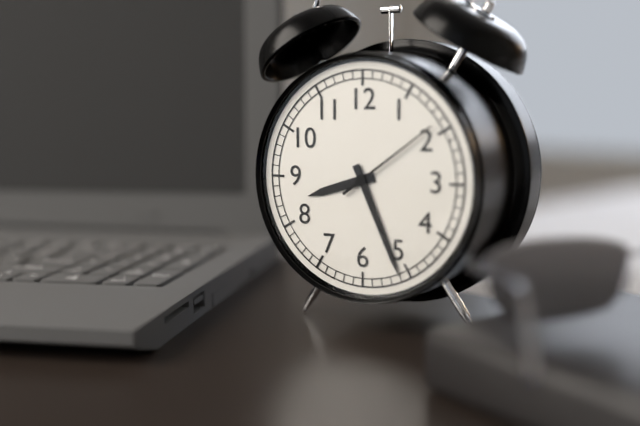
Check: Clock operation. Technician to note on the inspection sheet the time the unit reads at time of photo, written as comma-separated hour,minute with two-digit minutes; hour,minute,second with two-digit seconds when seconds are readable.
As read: 8,26,09
